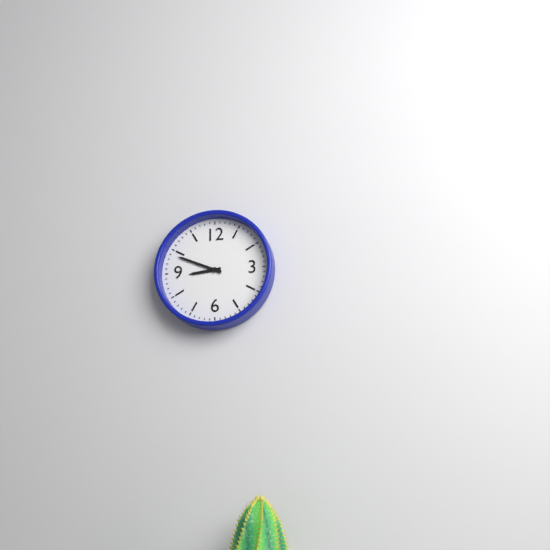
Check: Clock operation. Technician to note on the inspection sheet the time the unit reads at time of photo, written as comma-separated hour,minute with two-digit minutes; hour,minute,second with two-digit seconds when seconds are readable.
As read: 8,49
